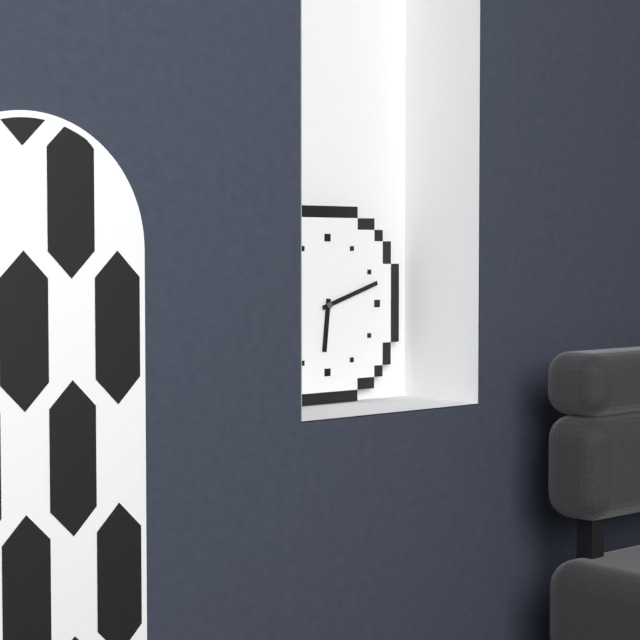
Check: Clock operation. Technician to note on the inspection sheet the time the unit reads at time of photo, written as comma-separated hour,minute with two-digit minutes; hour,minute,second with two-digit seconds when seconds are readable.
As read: 6,12
